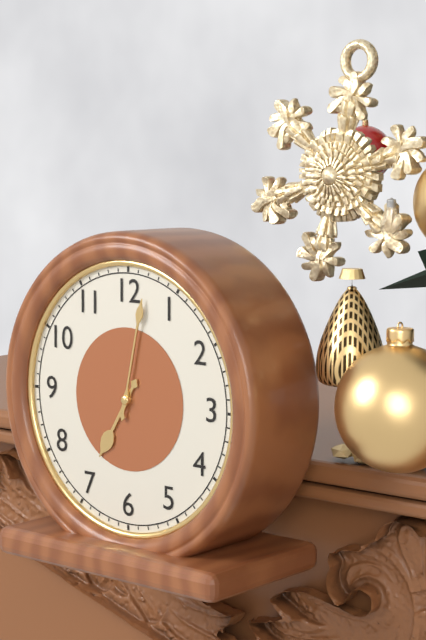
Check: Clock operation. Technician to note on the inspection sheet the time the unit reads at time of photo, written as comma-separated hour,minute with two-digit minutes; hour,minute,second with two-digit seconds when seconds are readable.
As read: 7,02
